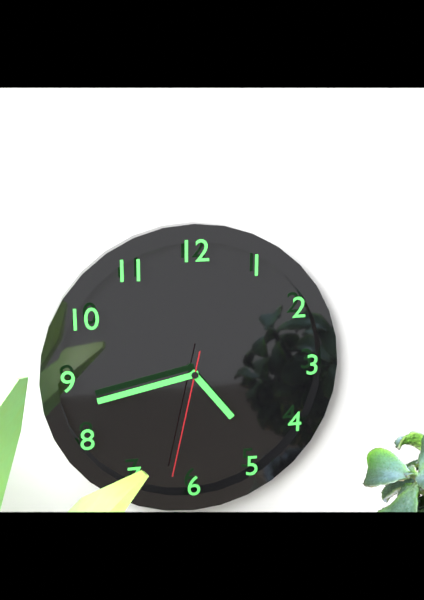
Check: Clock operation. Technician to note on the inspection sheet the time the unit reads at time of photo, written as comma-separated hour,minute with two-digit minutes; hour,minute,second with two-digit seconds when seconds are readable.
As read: 4,43,32
